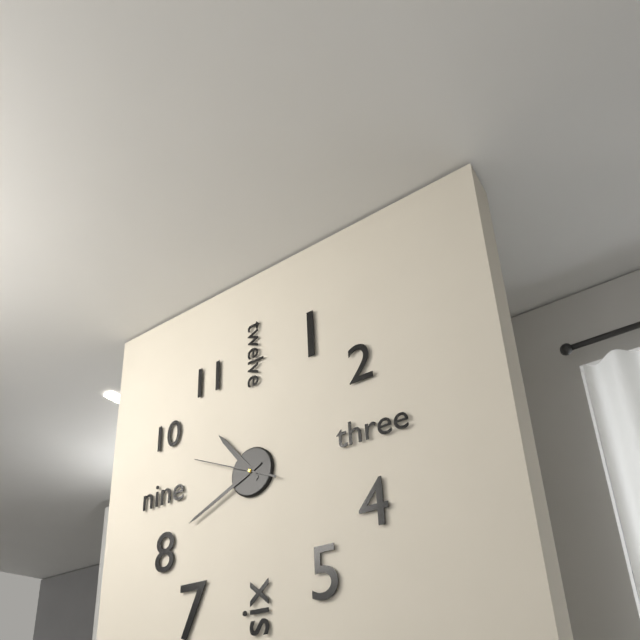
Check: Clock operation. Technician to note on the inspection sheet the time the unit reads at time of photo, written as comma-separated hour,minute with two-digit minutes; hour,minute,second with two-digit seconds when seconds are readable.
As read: 10,41,49
